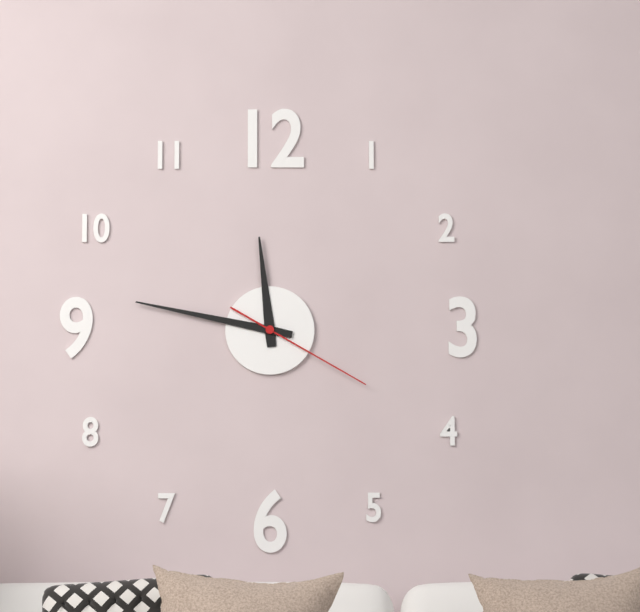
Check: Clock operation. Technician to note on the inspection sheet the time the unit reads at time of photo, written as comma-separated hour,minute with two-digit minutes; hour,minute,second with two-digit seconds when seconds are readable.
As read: 11,47,20
